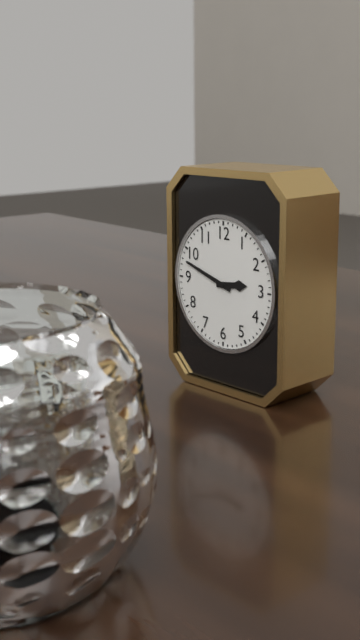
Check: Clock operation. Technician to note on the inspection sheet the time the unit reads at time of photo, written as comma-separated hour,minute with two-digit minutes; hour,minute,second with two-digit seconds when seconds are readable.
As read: 2,48
